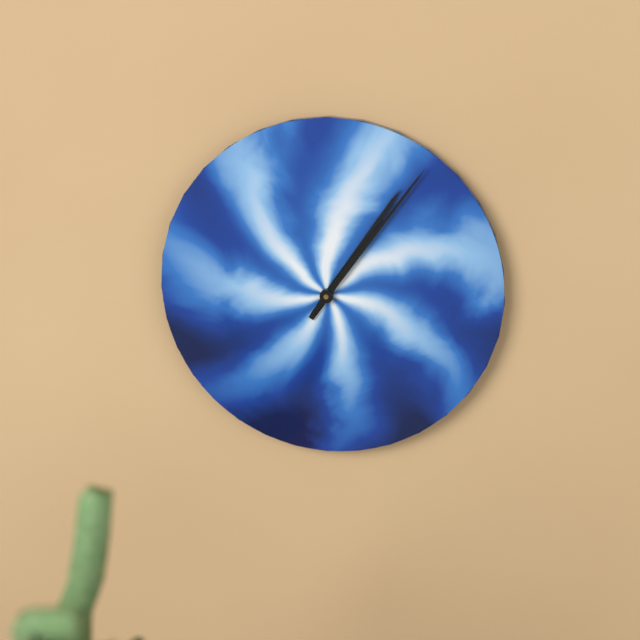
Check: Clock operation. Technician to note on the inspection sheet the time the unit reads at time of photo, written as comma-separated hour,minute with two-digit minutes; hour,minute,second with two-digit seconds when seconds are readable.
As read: 1,06
